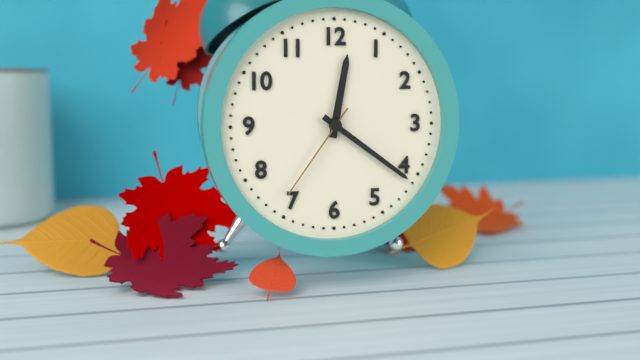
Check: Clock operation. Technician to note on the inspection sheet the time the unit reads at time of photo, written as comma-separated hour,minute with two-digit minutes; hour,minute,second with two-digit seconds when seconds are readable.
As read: 12,21,36
